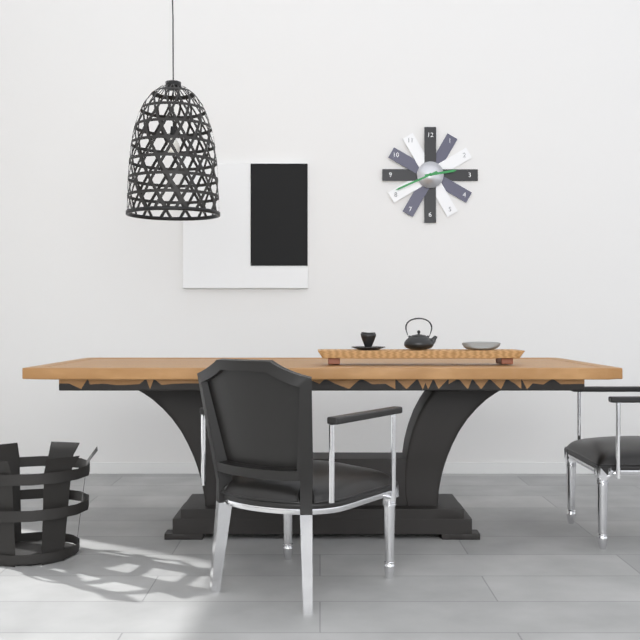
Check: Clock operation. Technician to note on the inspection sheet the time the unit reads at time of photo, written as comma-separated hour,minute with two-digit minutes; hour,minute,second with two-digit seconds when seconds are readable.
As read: 2,41
